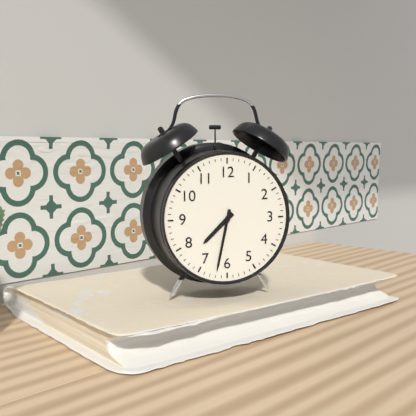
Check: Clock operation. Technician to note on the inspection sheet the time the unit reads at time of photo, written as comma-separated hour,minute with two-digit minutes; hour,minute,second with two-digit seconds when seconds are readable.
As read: 7,32
